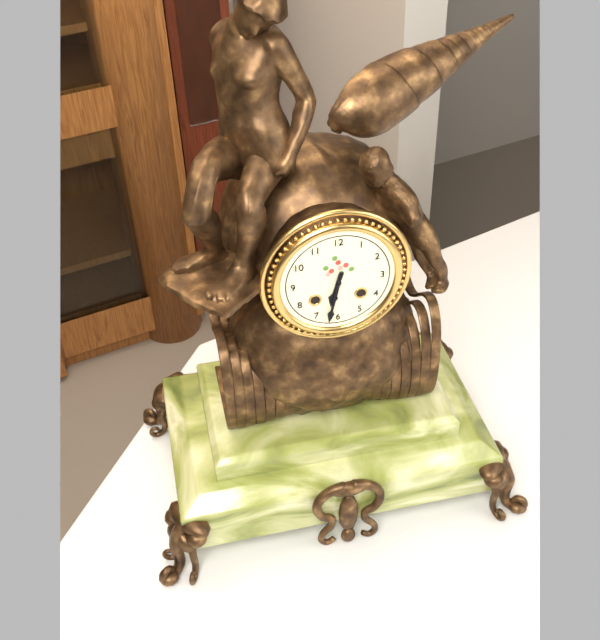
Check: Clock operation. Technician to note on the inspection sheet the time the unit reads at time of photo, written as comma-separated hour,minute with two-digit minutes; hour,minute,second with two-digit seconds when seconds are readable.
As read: 6,32
